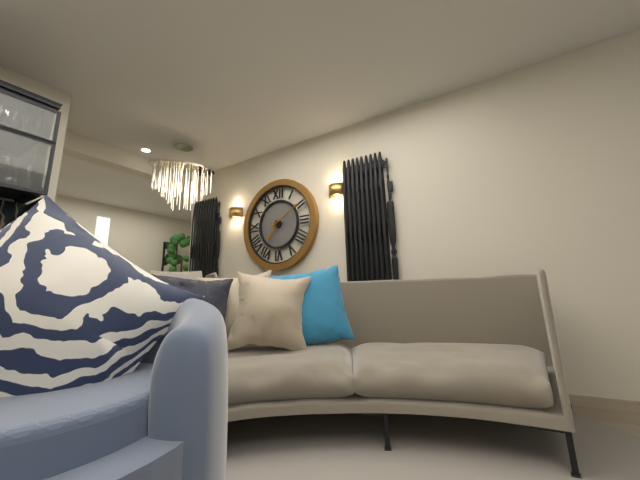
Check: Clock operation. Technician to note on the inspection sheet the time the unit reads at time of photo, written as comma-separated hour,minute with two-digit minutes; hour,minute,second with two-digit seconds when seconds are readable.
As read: 7,10
